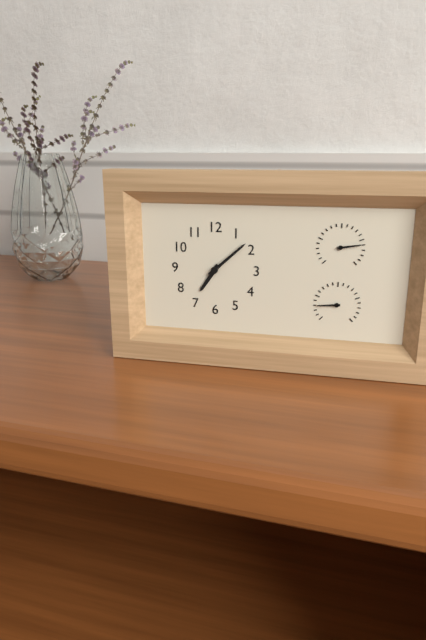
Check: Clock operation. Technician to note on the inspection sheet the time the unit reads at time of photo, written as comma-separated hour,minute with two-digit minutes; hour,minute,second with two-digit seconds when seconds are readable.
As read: 7,08
